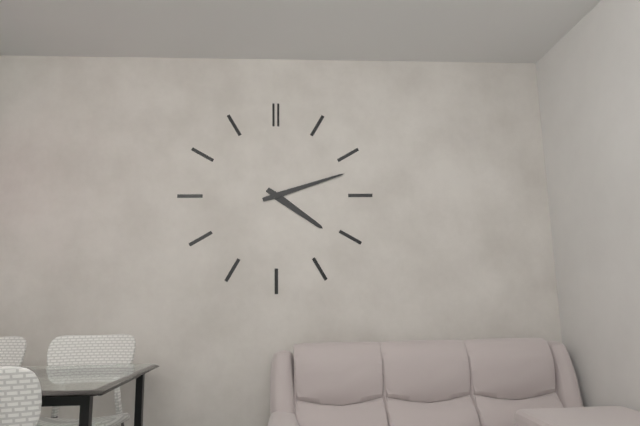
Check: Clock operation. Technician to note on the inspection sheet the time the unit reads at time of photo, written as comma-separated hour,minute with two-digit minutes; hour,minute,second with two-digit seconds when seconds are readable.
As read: 4,12
